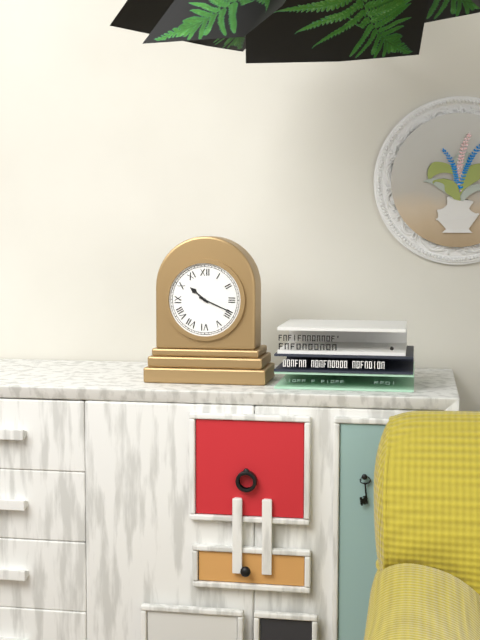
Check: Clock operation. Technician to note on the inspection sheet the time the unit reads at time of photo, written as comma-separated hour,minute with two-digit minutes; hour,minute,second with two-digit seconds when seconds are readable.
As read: 10,19
